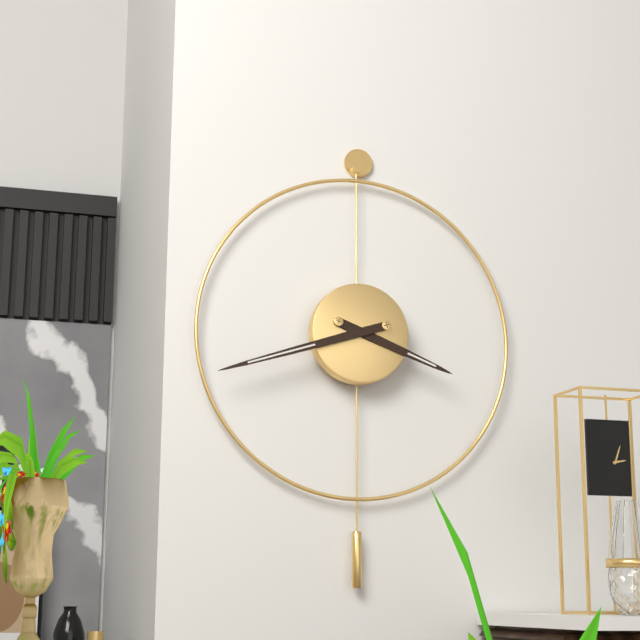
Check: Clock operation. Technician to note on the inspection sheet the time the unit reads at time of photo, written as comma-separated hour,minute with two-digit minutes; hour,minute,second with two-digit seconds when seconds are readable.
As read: 3,42
